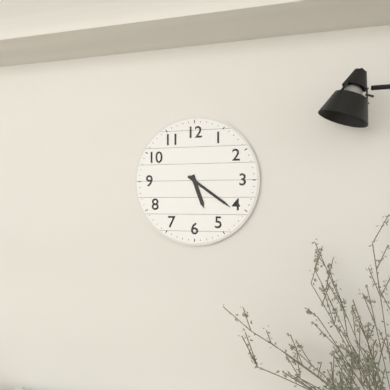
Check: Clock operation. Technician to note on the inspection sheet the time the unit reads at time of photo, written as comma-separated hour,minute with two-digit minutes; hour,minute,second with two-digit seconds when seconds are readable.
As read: 5,21
